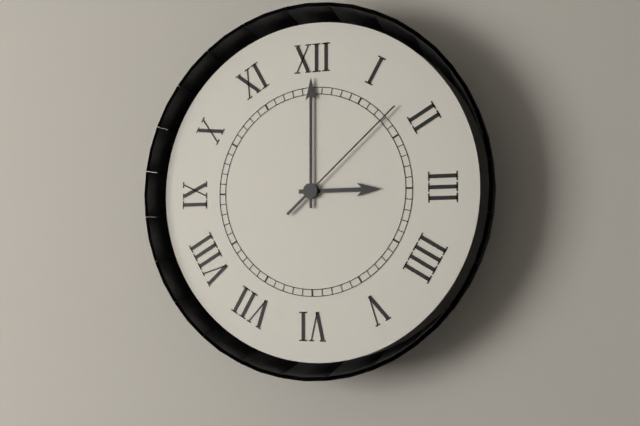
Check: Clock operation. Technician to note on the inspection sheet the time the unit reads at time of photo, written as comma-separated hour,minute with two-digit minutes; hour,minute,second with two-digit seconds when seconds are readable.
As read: 3,00,08
